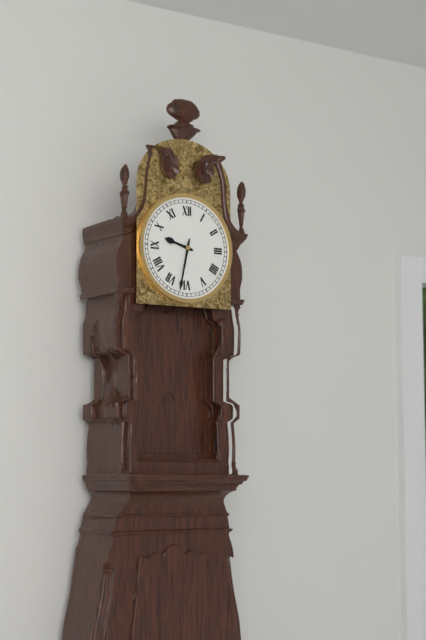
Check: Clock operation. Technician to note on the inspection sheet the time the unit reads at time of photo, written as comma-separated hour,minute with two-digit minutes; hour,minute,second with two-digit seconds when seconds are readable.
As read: 9,32
